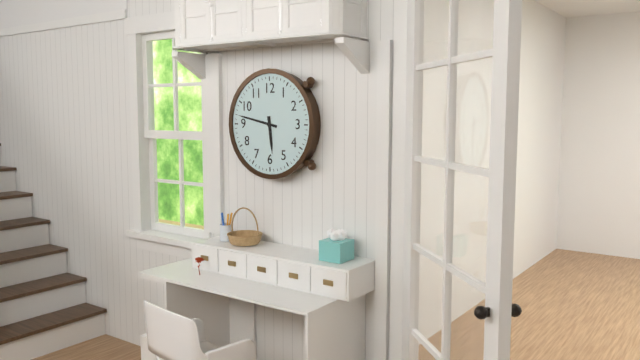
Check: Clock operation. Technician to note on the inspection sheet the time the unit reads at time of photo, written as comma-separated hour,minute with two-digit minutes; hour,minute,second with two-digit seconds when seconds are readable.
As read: 5,47
